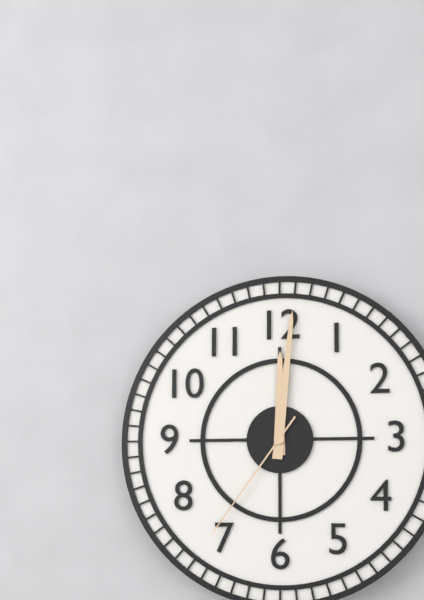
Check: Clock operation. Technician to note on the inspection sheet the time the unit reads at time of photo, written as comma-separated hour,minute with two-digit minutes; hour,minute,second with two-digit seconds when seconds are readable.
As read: 12,01,36
